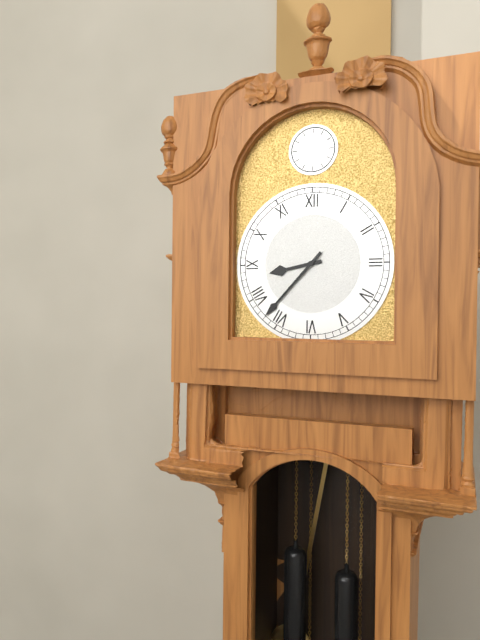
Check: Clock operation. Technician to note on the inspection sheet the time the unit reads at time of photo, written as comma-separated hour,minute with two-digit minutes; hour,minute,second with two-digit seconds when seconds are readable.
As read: 8,37
